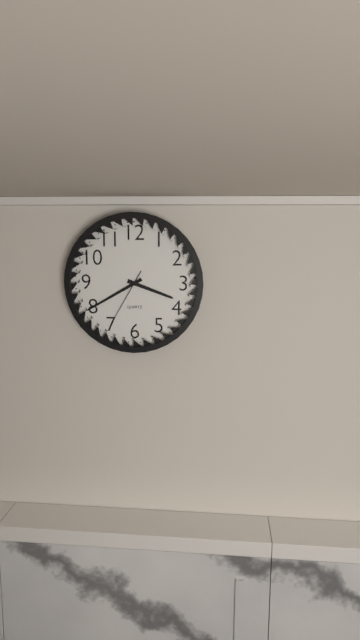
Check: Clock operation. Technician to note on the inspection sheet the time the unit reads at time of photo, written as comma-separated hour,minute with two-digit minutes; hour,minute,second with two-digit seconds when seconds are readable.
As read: 3,40,35
